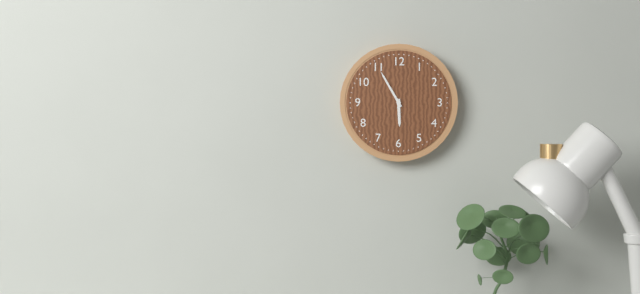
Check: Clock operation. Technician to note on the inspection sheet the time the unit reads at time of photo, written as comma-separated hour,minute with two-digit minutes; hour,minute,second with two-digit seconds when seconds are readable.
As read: 5,55
